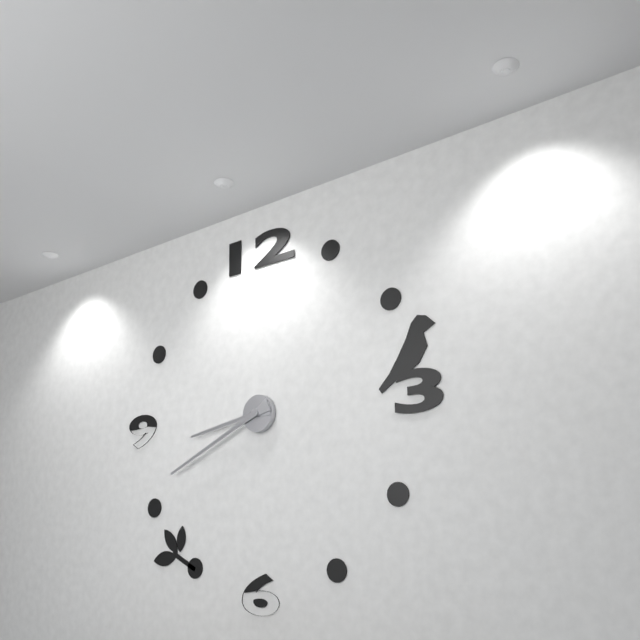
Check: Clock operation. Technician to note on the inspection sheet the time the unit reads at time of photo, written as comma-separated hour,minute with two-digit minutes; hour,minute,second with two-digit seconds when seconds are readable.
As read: 8,41
